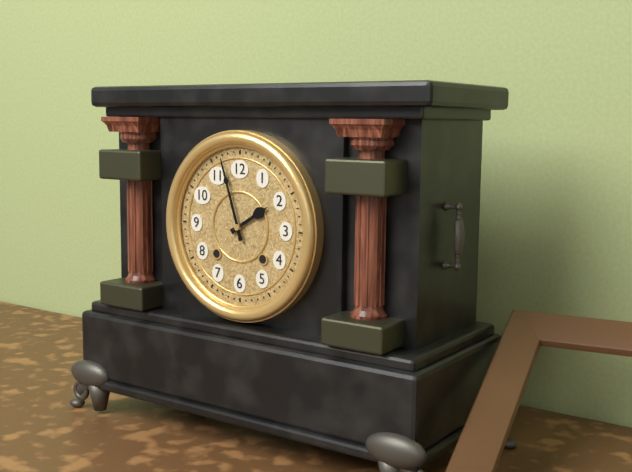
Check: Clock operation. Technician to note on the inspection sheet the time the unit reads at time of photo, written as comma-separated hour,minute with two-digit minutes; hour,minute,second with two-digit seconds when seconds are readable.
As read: 1,57
